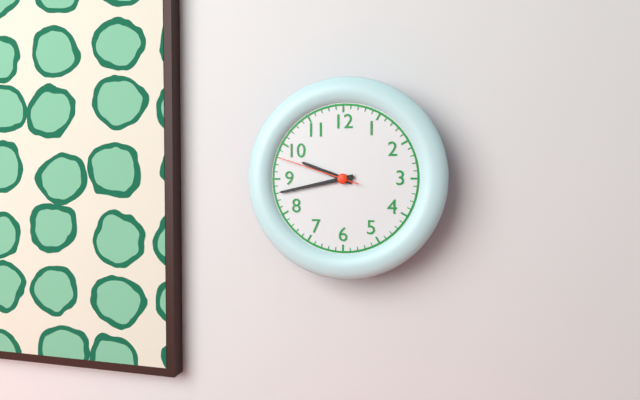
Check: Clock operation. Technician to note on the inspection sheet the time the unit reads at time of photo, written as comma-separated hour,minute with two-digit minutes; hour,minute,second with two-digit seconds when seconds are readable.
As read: 9,43,48
